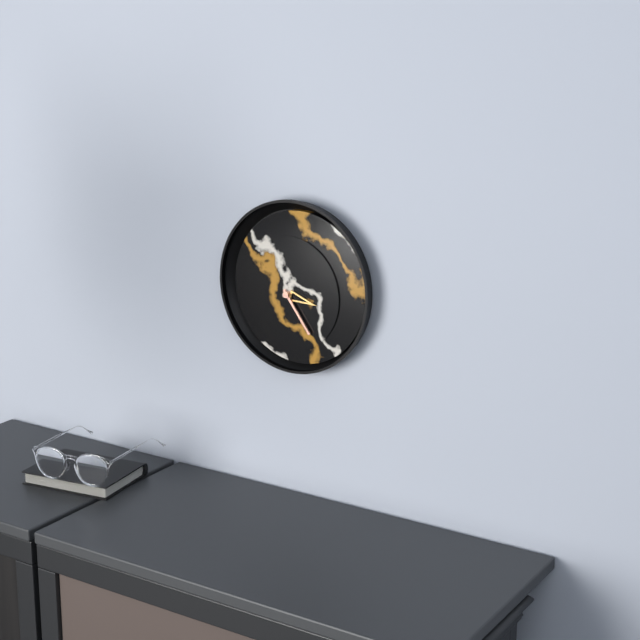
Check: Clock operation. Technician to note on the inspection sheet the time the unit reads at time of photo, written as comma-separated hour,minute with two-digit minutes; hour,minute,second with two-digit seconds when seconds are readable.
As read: 3,24
